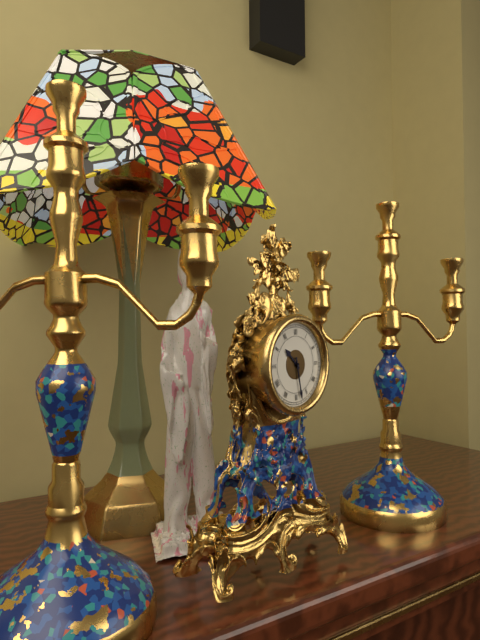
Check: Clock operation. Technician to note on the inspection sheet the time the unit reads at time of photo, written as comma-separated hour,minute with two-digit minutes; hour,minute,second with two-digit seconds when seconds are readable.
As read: 10,28
